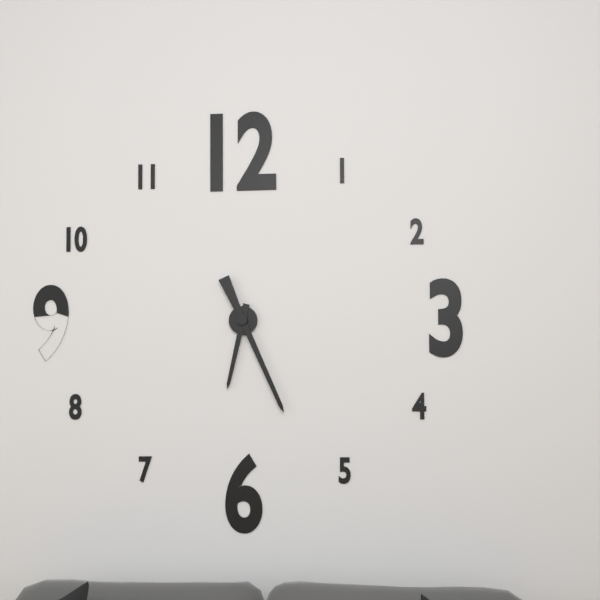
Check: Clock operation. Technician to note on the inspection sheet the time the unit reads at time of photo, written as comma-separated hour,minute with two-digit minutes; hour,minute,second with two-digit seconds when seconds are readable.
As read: 6,26
